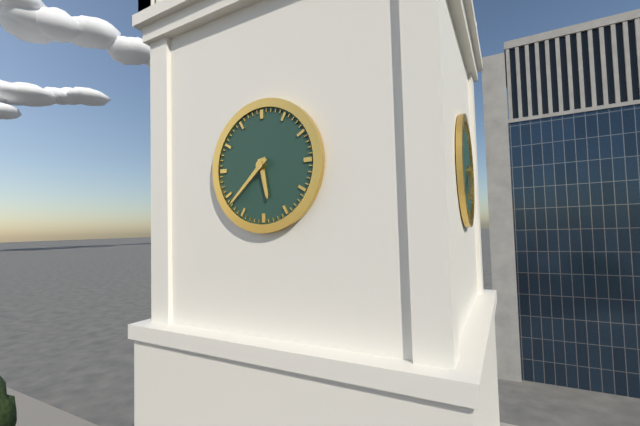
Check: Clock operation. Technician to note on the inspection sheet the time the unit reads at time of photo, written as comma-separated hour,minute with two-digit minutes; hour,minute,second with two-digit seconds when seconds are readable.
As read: 5,38
